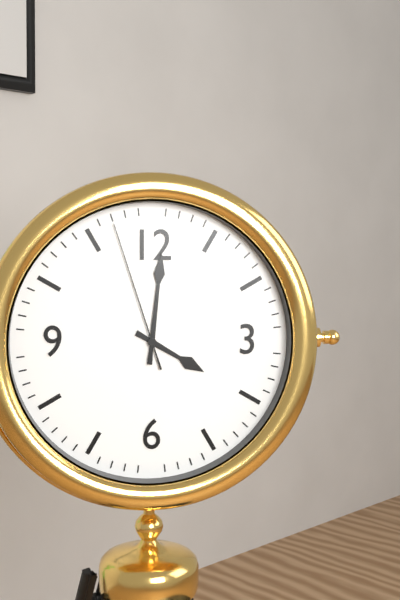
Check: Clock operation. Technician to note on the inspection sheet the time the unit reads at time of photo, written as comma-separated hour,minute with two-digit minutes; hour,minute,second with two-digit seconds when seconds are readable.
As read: 4,01,57
